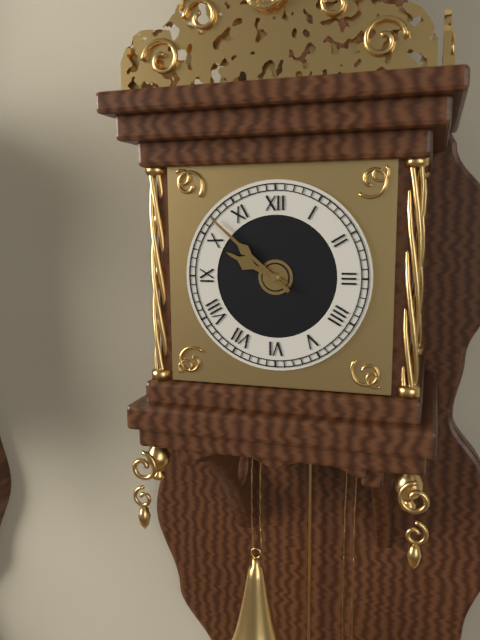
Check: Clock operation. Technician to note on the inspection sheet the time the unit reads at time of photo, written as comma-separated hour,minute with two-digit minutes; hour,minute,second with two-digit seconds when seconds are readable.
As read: 9,52
